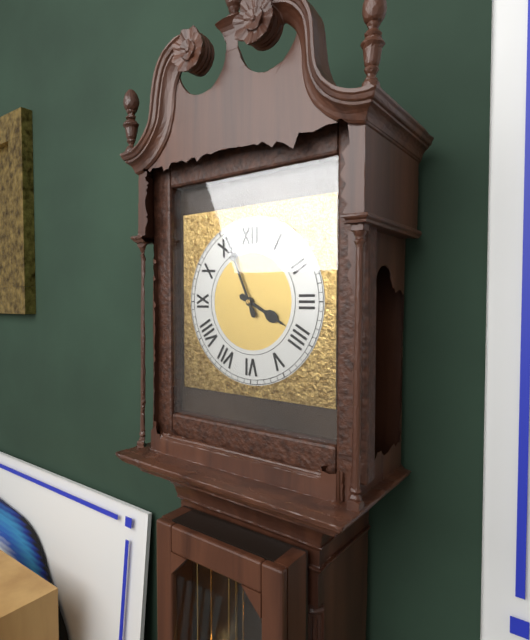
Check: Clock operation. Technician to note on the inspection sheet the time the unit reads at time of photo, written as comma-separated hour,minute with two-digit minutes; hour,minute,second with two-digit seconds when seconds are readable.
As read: 3,56
